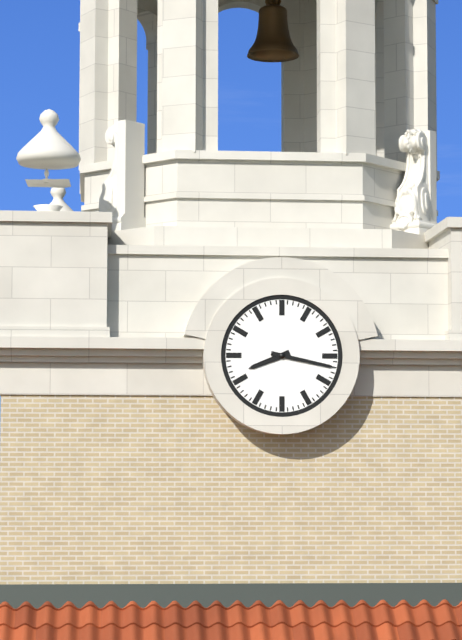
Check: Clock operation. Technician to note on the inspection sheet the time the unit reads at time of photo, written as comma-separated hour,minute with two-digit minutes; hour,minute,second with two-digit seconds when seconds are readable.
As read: 8,17
